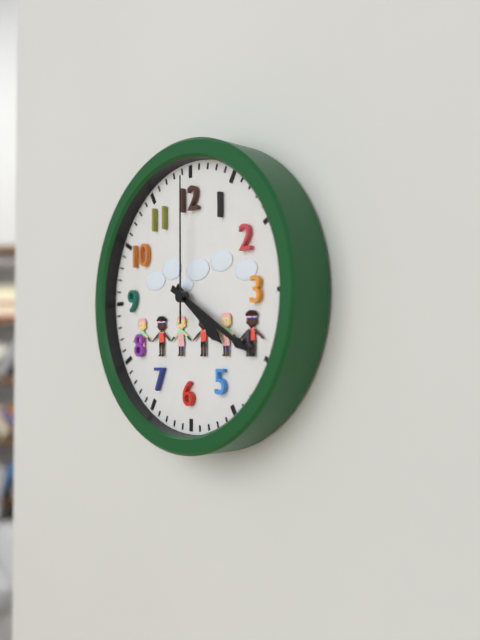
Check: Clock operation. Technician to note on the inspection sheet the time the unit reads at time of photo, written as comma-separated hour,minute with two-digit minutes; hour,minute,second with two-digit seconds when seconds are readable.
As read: 4,20,00
